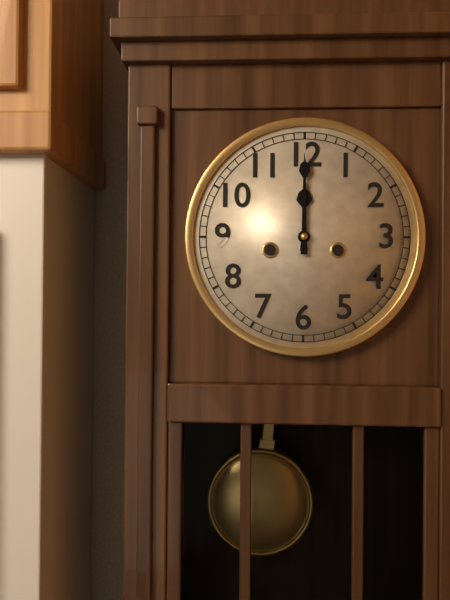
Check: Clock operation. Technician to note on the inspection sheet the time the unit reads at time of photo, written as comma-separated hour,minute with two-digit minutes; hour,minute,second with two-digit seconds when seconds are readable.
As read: 12,00
